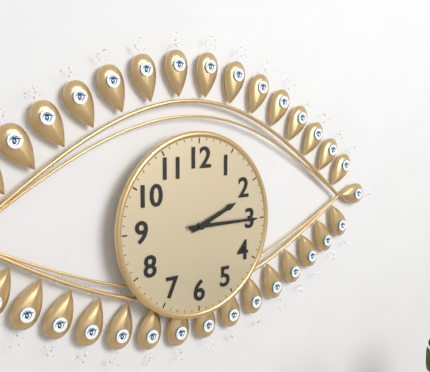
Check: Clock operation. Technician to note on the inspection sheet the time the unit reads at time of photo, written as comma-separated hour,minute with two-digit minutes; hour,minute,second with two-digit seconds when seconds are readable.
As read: 2,15
